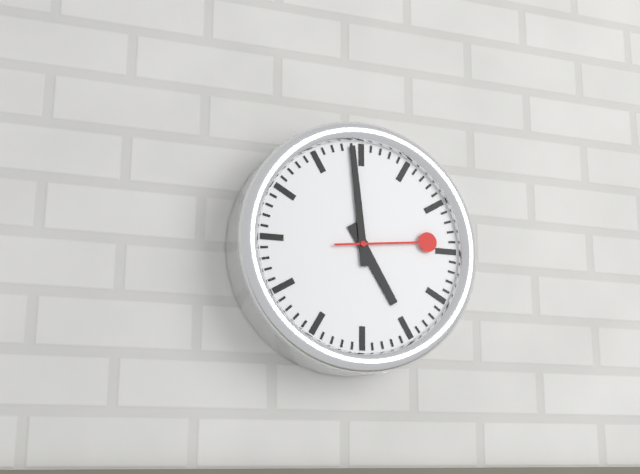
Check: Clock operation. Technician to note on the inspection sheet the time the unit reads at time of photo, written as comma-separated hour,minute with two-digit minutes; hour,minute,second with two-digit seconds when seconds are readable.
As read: 4,59,14
